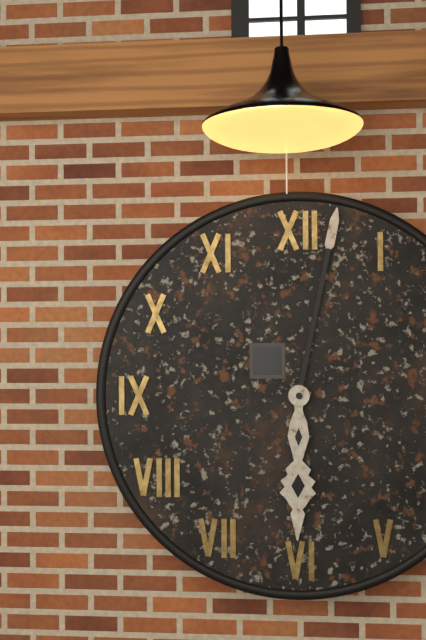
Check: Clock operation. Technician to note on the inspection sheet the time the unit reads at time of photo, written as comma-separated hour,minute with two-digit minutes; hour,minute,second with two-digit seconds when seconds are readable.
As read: 6,02
